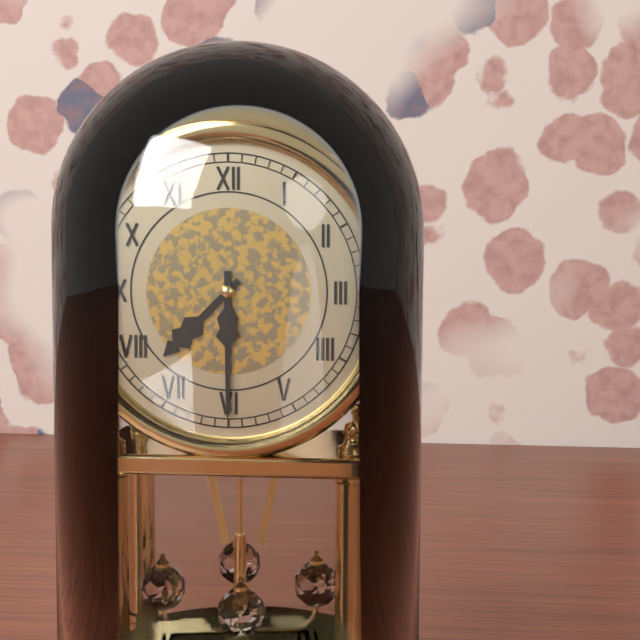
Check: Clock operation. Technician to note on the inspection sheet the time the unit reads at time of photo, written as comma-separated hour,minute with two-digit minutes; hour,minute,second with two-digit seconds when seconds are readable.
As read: 7,30
